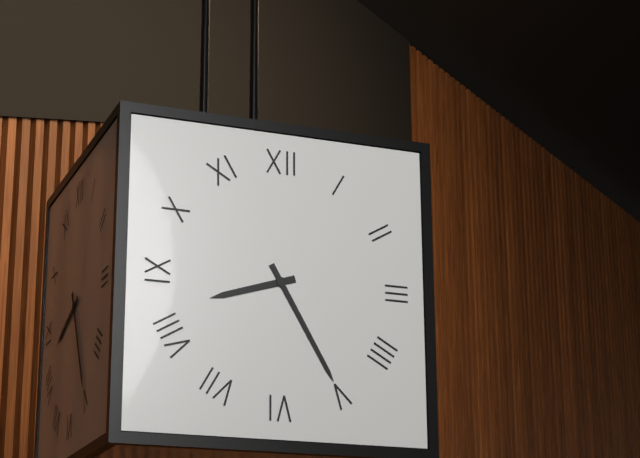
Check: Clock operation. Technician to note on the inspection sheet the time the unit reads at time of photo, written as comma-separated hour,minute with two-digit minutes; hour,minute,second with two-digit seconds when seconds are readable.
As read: 8,25
